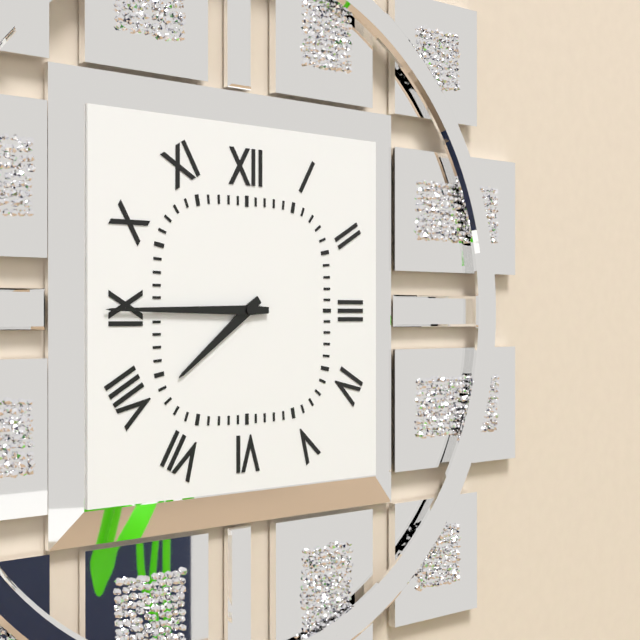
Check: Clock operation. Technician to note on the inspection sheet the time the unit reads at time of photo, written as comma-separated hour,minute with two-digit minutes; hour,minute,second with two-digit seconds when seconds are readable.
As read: 7,45
